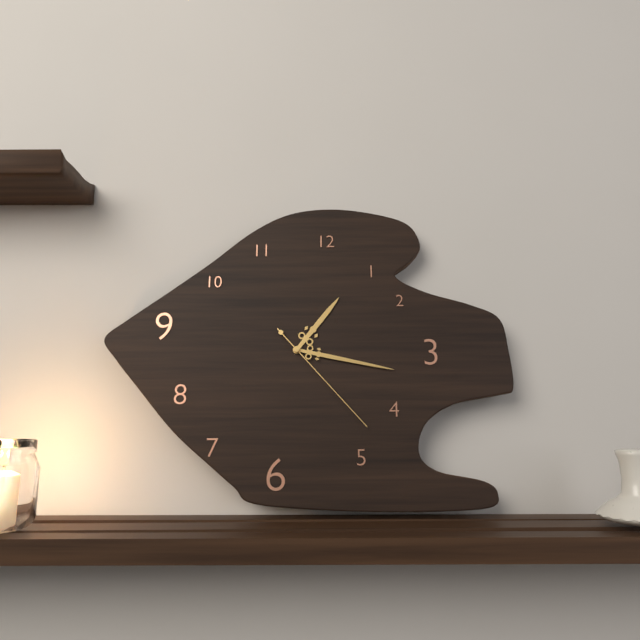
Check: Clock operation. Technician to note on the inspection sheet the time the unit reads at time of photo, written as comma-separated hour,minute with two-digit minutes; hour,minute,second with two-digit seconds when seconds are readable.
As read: 1,17,23
